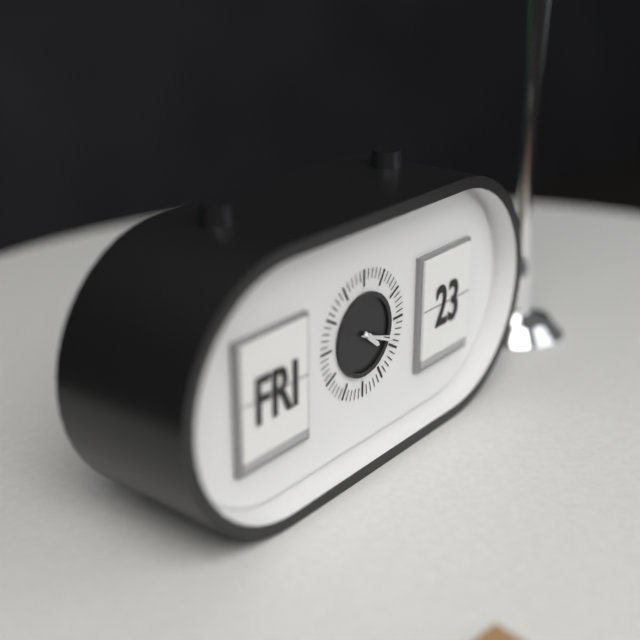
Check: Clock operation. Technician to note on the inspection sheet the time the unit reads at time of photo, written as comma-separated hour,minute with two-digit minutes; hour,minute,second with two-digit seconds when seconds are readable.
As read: 4,19,18
